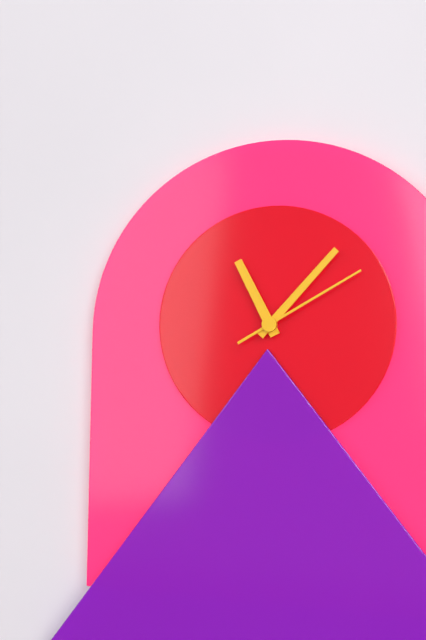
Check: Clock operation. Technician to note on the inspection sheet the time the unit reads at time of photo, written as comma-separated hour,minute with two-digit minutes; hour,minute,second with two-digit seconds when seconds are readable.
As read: 11,07,10
